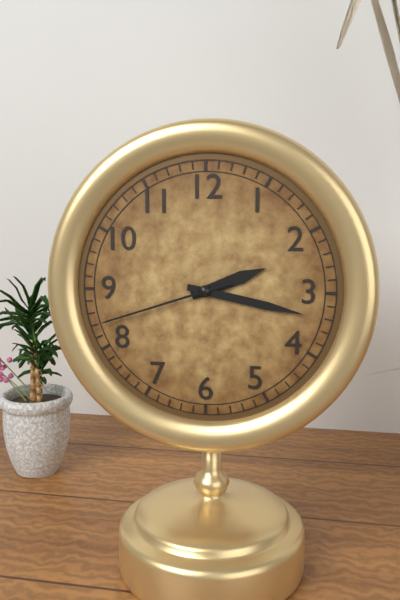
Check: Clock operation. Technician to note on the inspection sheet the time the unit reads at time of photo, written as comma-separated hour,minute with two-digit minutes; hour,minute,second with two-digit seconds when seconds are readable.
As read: 2,17,42
